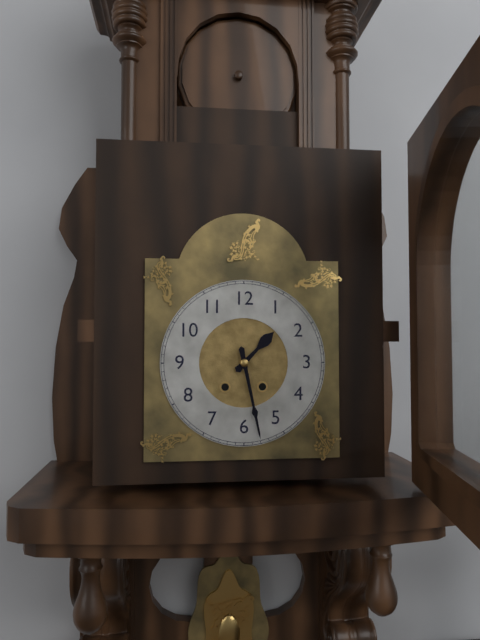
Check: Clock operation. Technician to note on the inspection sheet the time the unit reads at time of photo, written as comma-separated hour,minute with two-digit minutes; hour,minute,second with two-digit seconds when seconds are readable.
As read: 1,28
